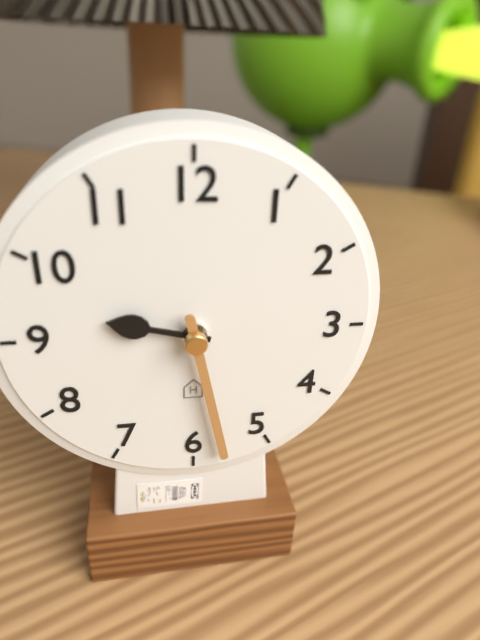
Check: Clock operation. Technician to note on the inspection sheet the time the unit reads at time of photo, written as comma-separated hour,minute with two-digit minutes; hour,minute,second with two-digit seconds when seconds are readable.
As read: 9,28
